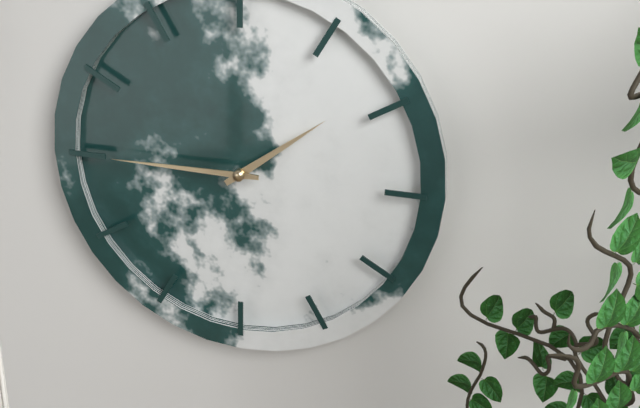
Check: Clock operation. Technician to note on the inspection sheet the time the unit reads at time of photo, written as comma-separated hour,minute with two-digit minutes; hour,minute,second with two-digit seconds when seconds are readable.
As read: 1,45
